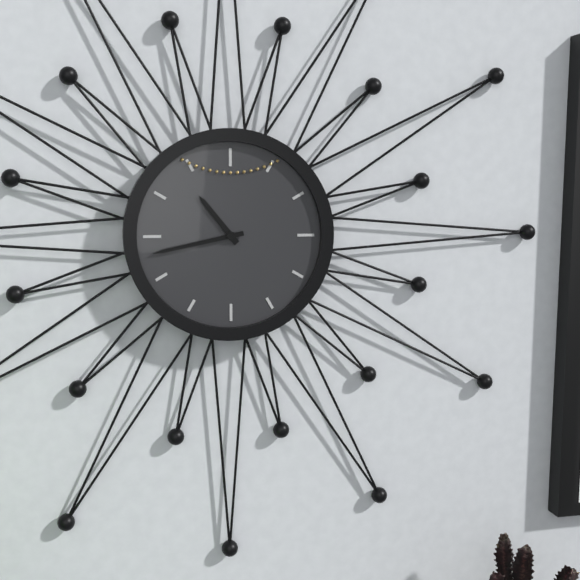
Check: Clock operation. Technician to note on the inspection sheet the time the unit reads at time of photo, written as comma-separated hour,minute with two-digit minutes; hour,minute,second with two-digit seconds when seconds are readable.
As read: 10,43
